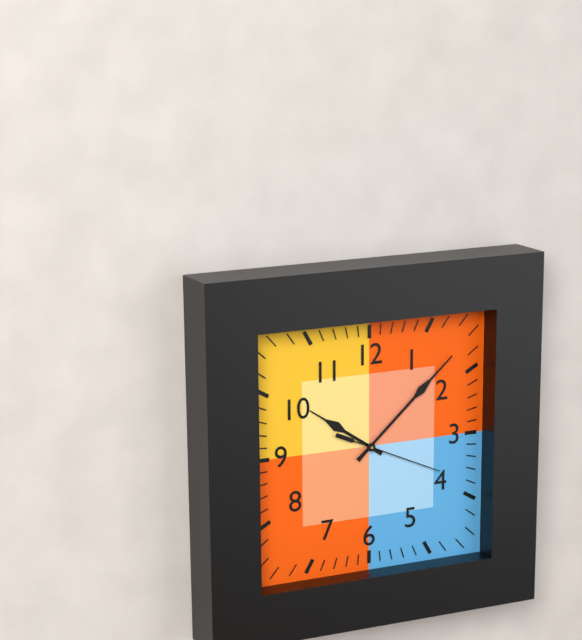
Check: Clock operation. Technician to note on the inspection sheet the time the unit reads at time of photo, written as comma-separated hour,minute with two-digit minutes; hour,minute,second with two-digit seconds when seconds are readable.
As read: 10,08,19
